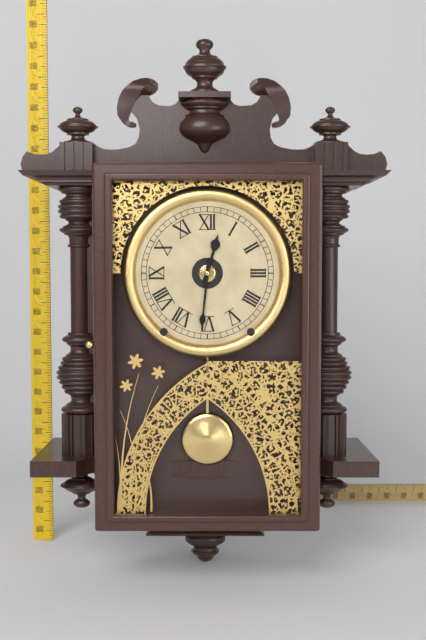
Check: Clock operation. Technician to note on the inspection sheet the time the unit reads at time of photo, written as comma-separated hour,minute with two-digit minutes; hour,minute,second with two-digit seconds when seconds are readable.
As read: 12,31
